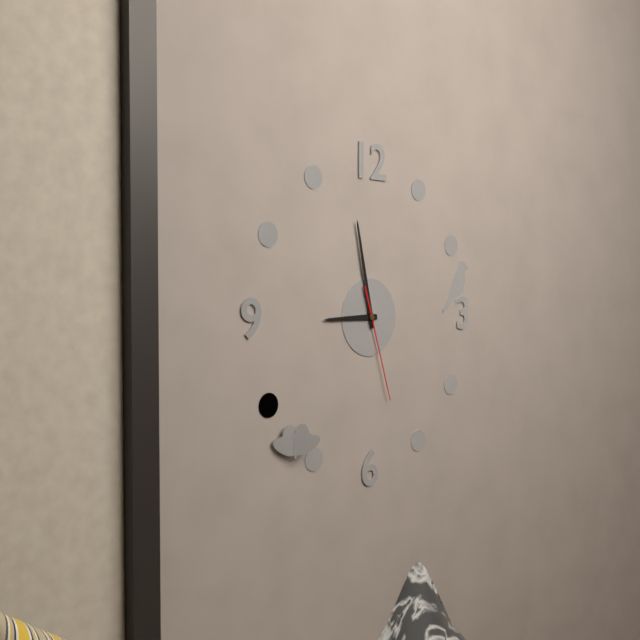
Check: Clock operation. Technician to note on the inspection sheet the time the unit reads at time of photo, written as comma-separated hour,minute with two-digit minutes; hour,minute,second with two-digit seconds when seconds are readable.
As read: 8,58,27
